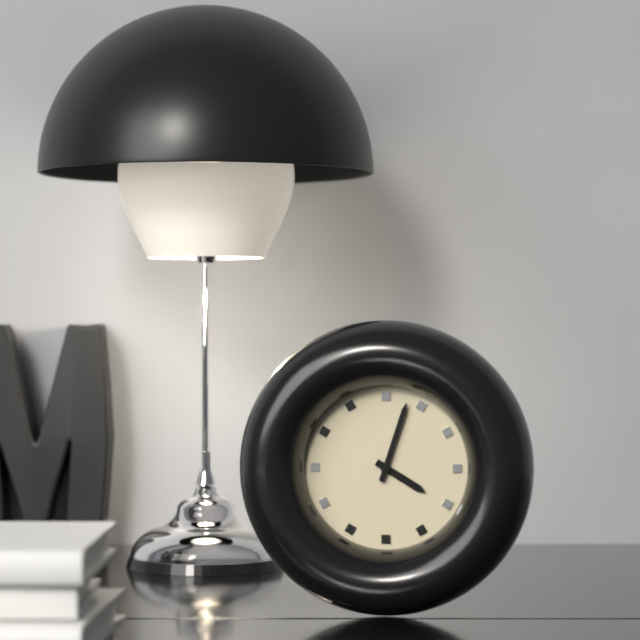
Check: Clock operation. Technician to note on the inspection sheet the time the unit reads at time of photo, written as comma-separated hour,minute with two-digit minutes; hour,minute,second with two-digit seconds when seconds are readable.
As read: 4,03
